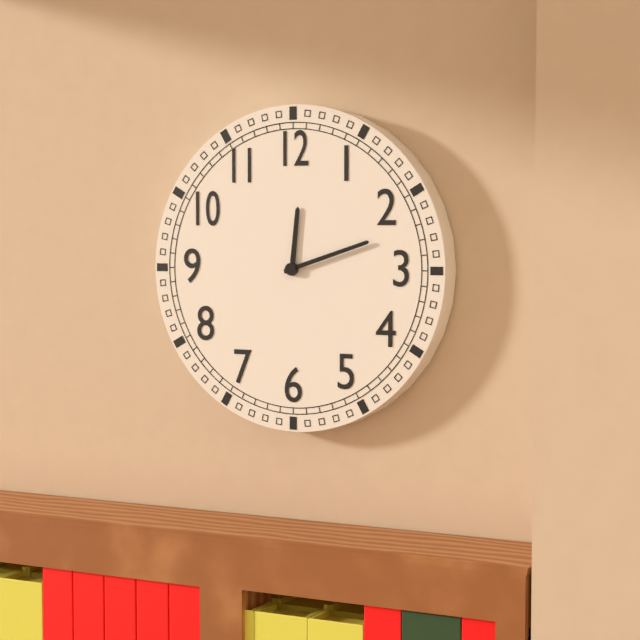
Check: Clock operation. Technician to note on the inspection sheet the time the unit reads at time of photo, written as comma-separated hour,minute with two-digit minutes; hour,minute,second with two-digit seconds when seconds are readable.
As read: 12,12
